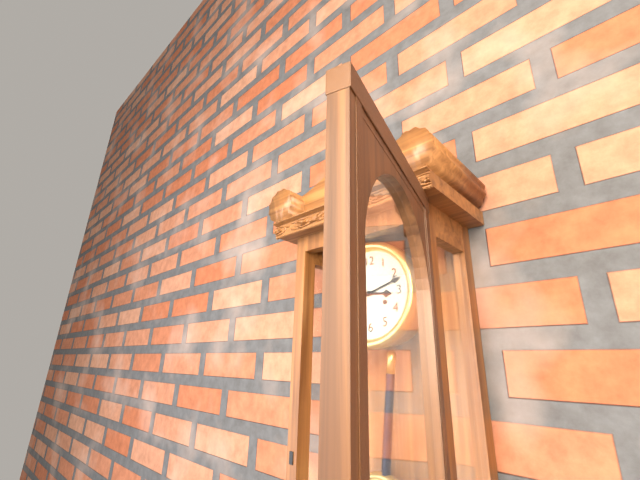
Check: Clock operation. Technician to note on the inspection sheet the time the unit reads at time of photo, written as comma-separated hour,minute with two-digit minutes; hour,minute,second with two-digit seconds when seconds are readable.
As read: 3,12
